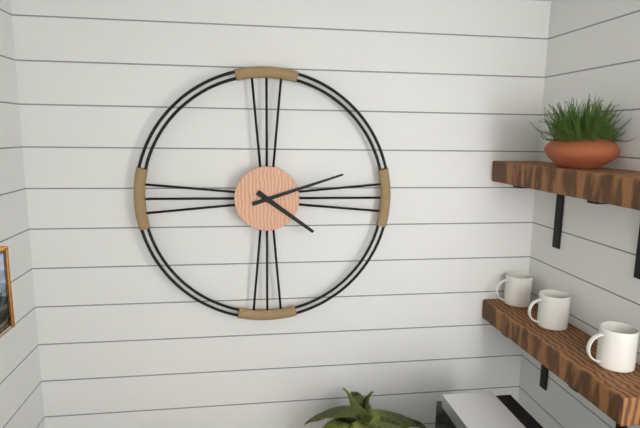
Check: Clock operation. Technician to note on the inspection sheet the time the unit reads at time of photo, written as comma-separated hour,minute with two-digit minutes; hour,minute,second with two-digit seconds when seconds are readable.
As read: 4,12
